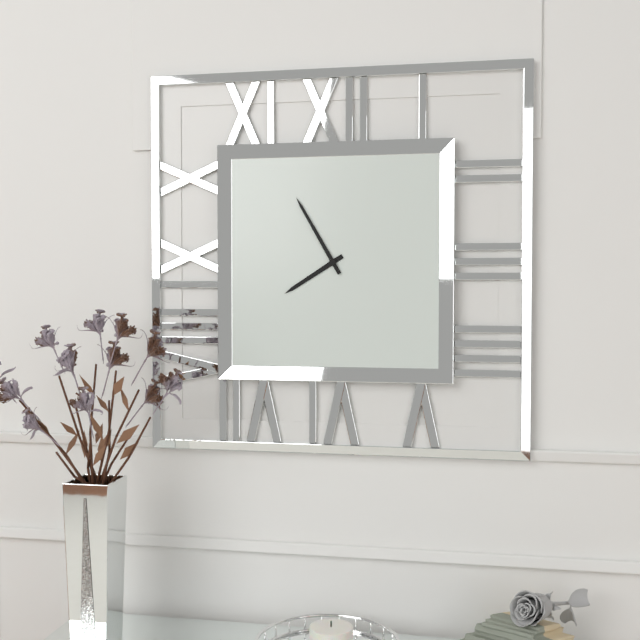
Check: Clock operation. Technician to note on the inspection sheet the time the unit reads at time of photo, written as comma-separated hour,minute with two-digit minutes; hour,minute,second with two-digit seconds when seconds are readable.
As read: 7,55
